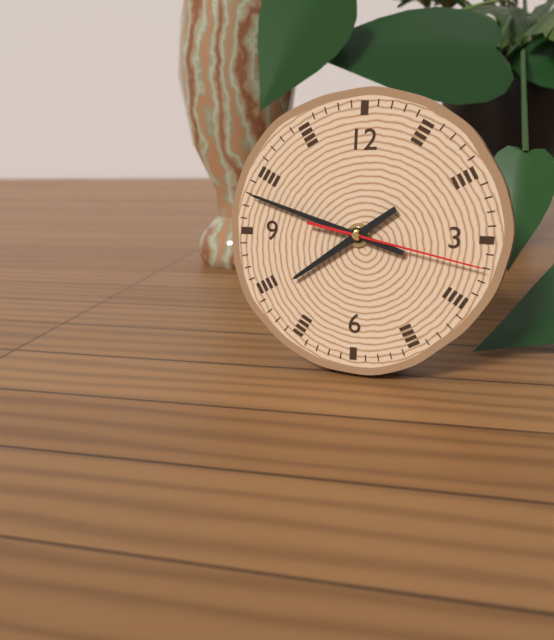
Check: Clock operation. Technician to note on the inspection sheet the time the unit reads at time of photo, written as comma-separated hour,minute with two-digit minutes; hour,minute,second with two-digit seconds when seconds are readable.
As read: 7,48,17
